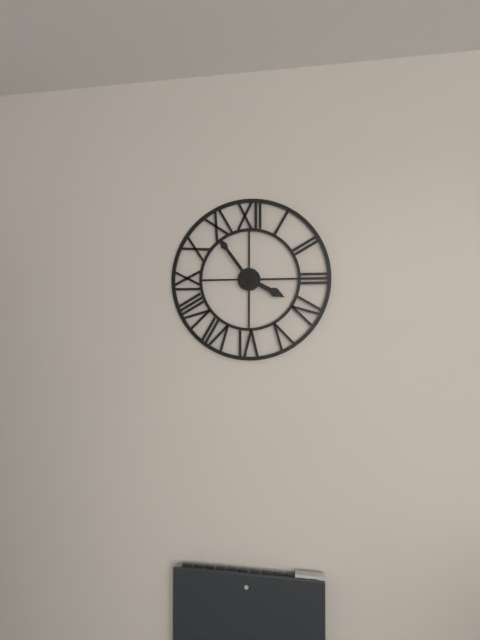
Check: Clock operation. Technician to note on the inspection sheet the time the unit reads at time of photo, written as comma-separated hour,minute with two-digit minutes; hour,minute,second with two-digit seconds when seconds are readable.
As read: 3,54
